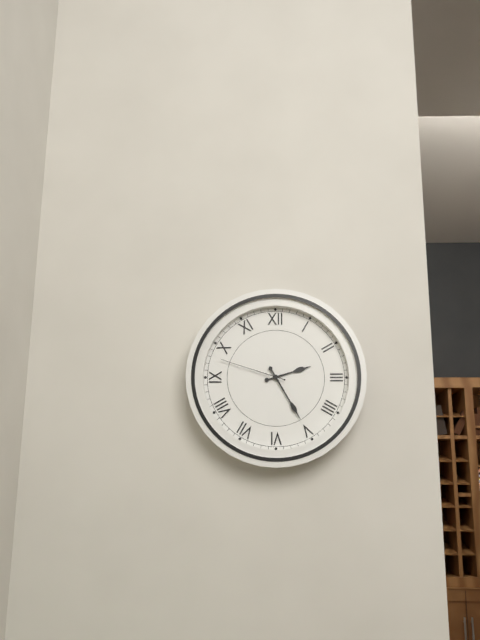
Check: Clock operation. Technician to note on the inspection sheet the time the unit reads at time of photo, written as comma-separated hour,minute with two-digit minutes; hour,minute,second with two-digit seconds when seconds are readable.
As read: 2,25,48
